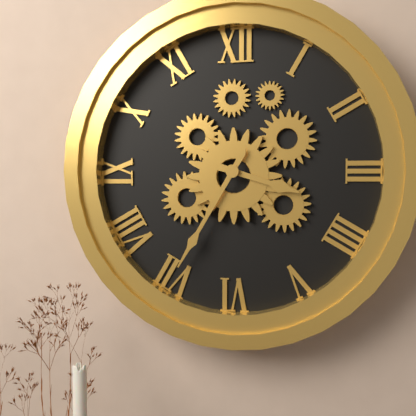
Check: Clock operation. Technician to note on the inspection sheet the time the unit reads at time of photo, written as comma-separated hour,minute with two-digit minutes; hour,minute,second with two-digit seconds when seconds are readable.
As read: 3,35
